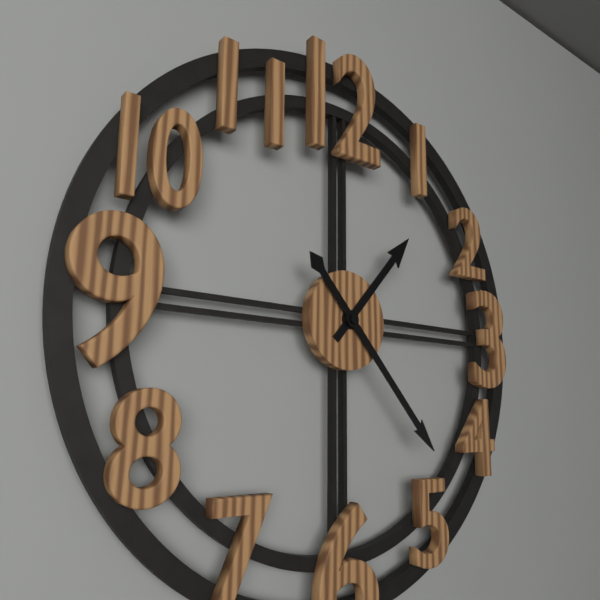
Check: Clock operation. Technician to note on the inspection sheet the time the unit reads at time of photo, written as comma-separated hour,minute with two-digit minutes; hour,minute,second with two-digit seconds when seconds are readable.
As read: 1,23
